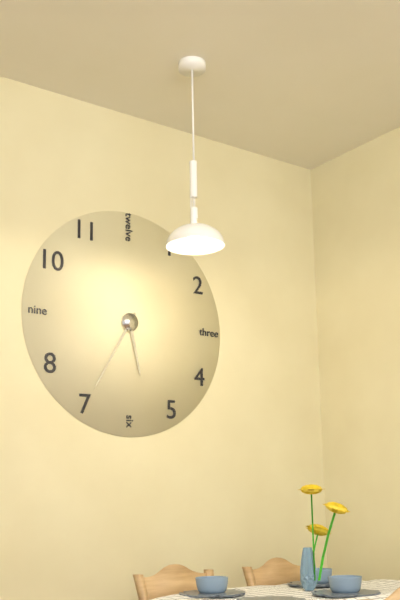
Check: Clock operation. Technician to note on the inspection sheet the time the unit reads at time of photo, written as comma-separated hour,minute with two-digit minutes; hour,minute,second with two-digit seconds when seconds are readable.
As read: 5,35
